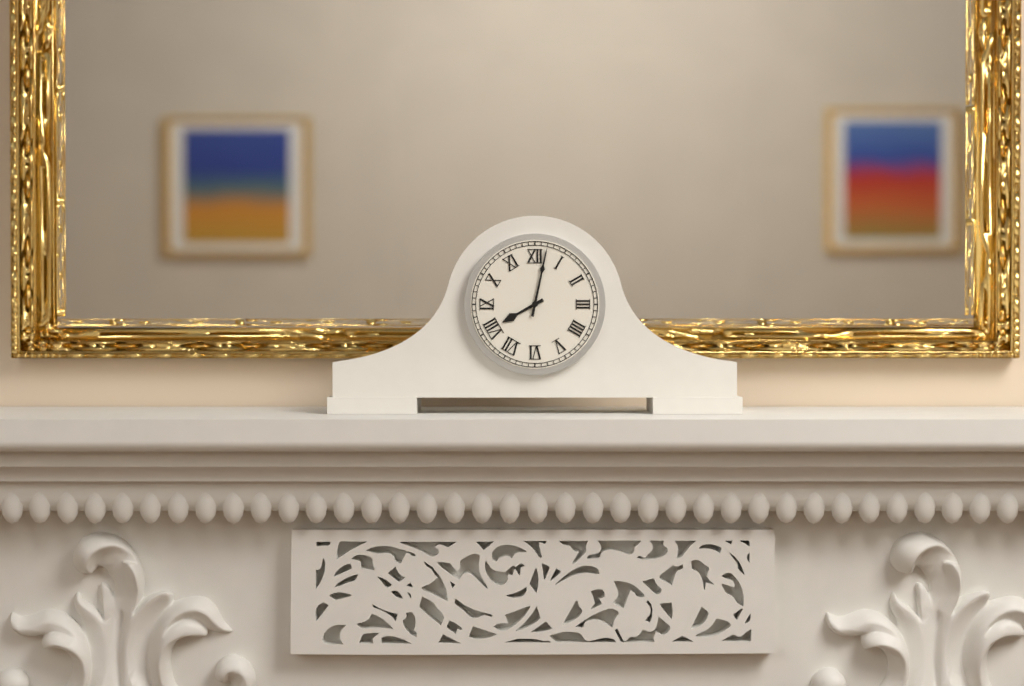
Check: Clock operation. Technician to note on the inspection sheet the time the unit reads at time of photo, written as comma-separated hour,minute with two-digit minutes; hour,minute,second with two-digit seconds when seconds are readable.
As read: 8,02
